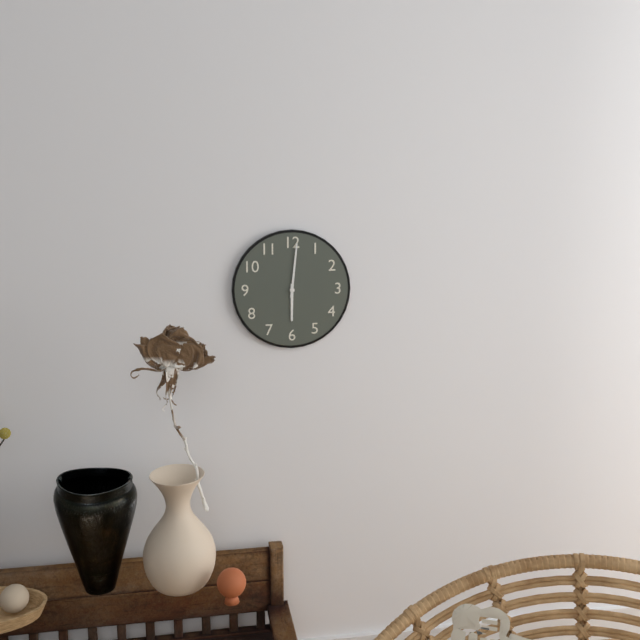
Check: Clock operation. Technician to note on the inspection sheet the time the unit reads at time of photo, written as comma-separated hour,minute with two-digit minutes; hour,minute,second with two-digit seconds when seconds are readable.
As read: 6,01
